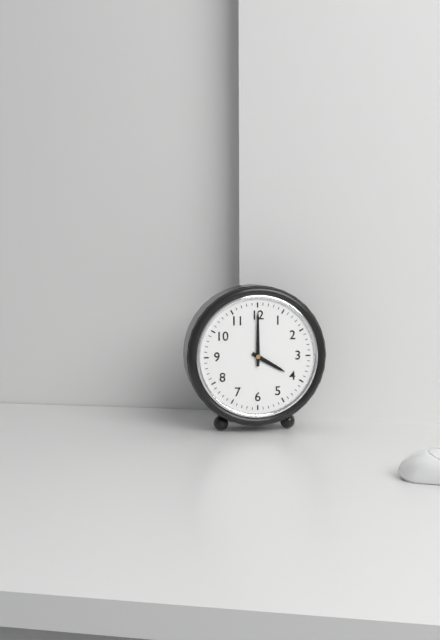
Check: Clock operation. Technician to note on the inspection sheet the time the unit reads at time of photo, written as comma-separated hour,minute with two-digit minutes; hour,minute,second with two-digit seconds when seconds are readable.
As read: 4,00
